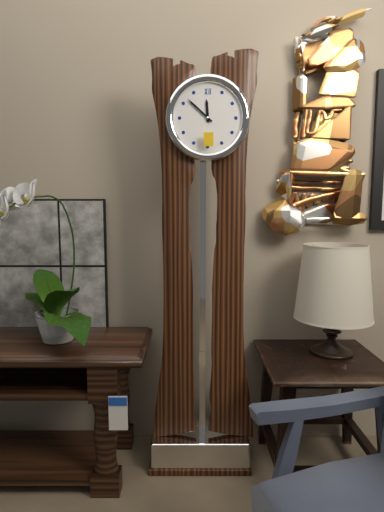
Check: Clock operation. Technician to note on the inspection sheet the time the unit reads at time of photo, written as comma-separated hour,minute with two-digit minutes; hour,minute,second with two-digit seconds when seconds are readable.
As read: 11,52
